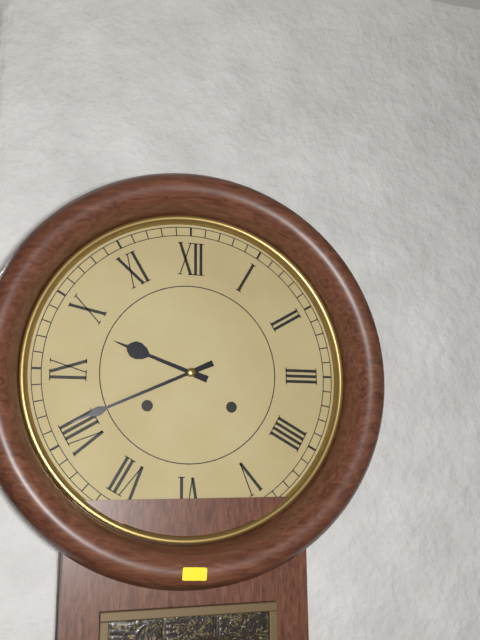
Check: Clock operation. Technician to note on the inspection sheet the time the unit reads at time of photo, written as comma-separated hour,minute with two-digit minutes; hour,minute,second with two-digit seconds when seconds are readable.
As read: 9,41
